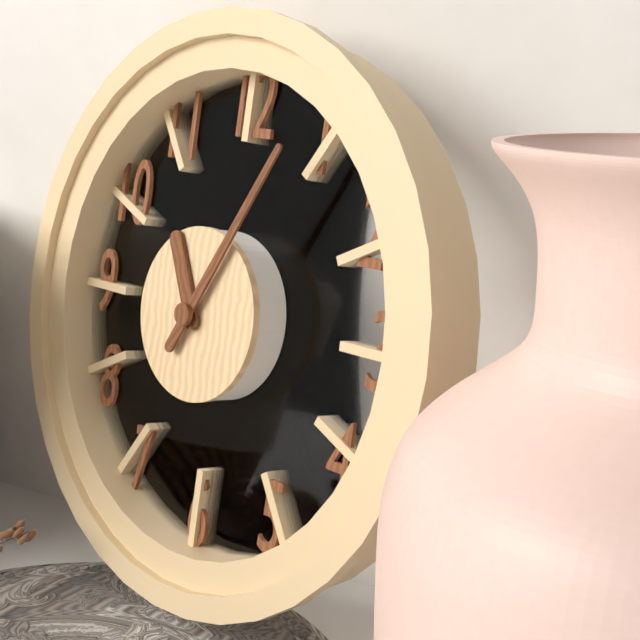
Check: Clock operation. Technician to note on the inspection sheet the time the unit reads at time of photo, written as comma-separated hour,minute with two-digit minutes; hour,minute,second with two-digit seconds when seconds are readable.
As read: 11,05
